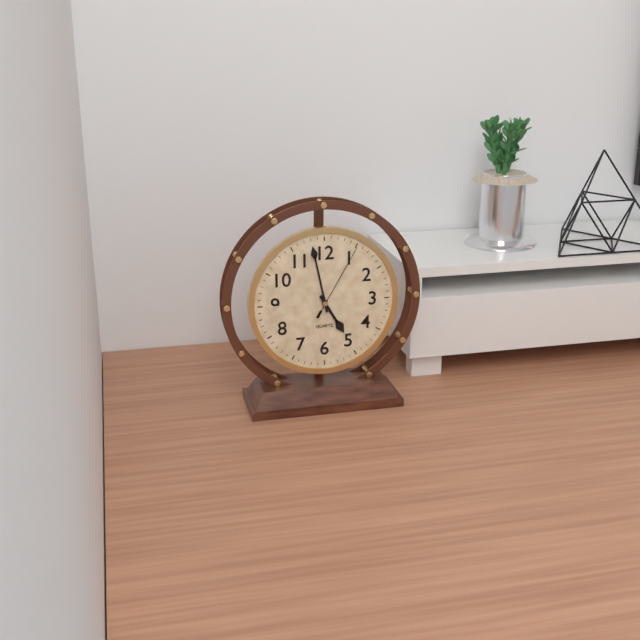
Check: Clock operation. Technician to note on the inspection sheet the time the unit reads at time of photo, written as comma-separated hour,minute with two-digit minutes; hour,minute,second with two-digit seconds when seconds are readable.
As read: 4,58,05
